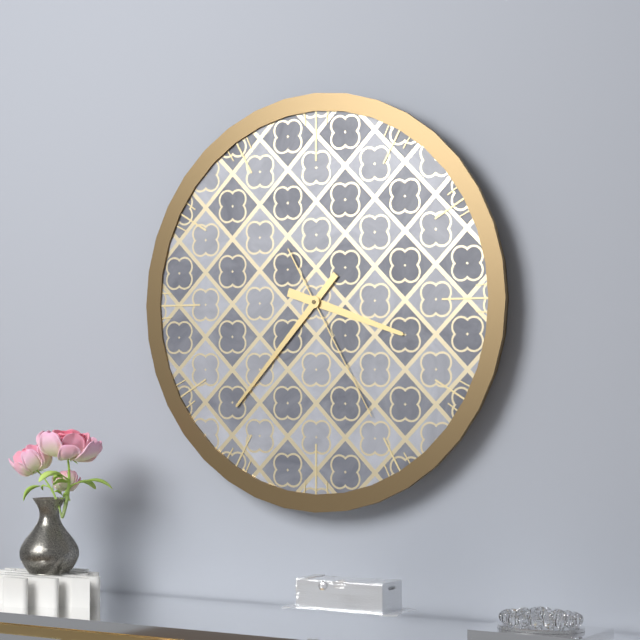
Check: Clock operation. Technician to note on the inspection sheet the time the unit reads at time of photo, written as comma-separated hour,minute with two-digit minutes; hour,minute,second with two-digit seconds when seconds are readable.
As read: 3,37,25
